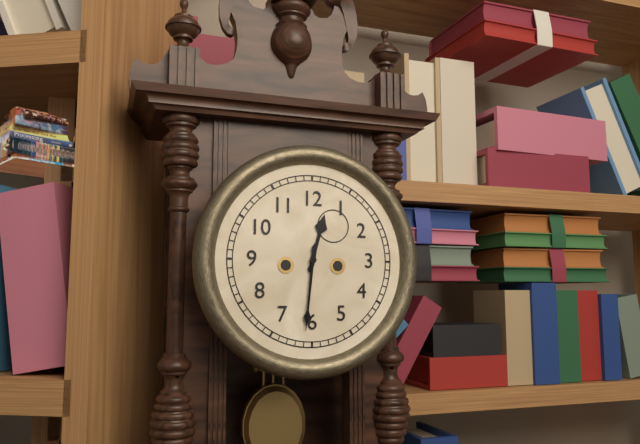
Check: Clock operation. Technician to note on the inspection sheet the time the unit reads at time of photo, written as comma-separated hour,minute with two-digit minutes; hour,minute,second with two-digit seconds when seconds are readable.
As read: 12,31
